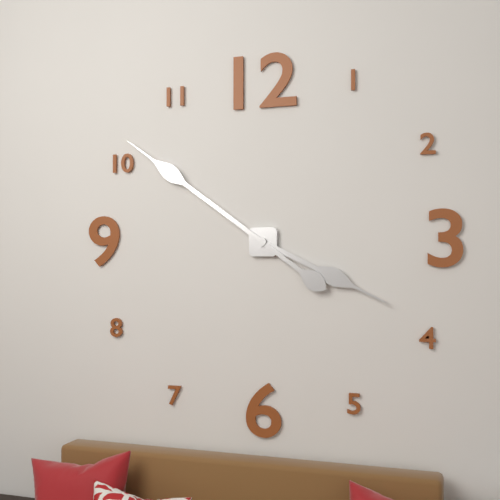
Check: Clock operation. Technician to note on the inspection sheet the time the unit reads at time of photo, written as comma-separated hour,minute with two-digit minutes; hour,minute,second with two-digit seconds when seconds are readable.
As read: 3,51
